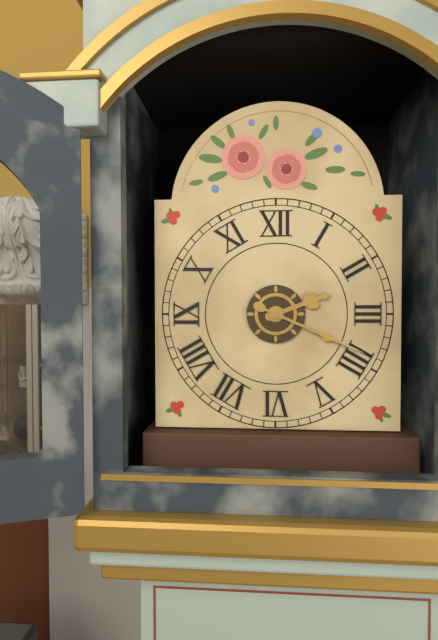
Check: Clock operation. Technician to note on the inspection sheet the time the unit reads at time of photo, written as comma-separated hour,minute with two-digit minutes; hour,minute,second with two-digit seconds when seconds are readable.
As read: 2,19
